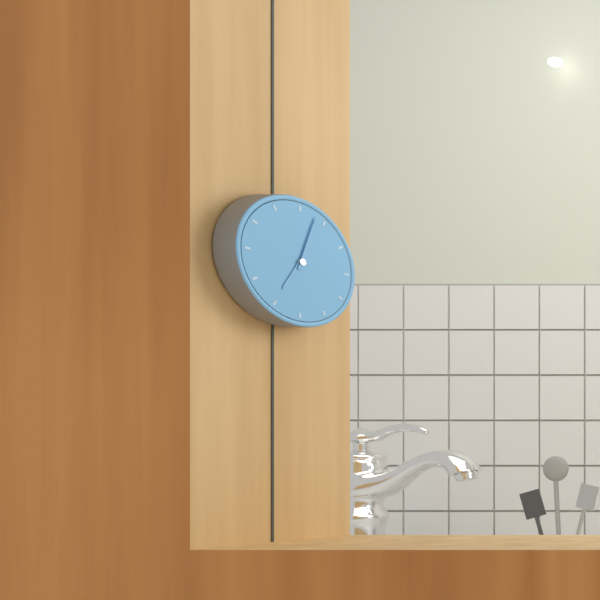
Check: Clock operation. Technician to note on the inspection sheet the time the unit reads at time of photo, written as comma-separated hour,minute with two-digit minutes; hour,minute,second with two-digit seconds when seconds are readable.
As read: 7,03
